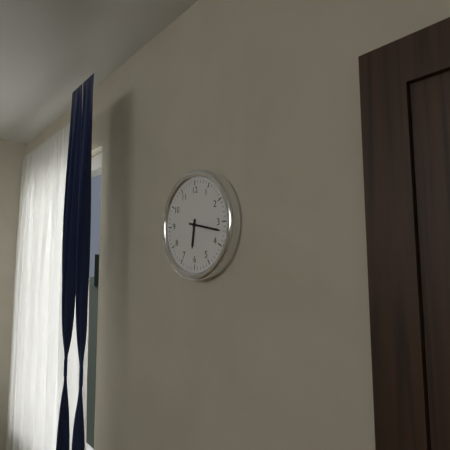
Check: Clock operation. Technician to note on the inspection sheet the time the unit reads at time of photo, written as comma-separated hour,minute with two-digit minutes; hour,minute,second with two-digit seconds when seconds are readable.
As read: 6,17
